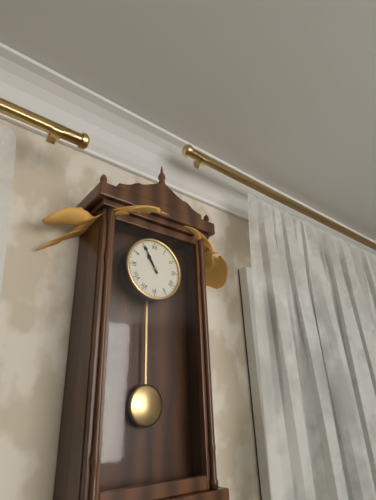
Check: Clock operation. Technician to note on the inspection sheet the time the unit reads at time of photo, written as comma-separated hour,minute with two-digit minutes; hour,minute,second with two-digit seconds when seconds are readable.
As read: 10,55
